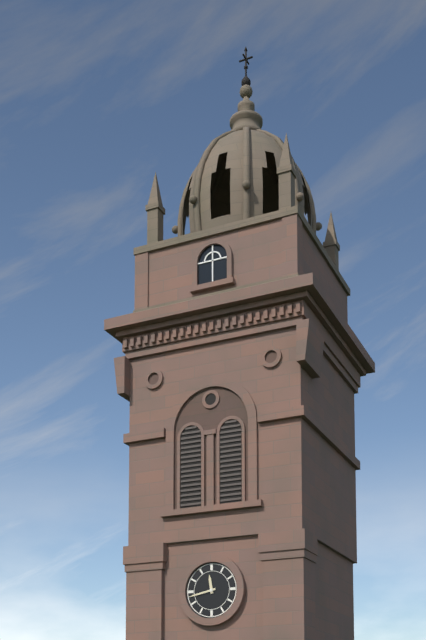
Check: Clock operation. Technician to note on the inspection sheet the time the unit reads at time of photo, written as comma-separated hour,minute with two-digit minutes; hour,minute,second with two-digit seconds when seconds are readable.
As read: 11,43
